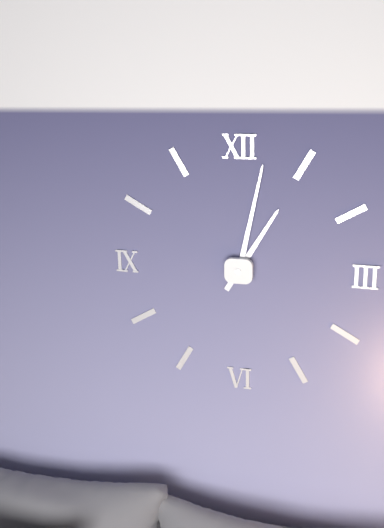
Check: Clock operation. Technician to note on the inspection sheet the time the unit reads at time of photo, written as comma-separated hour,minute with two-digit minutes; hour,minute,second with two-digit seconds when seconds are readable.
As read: 1,02
